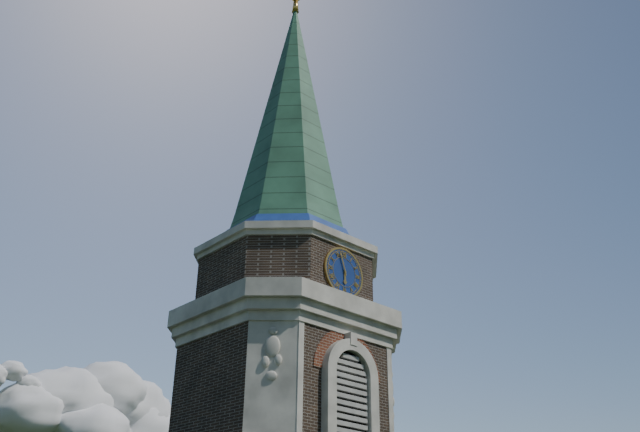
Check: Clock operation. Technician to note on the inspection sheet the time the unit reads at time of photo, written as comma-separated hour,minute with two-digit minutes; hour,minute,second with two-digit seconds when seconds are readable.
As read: 5,57
